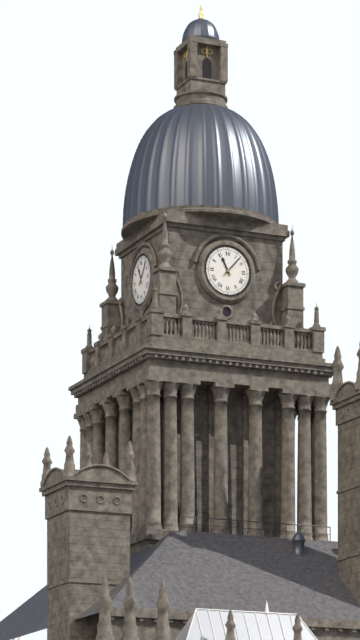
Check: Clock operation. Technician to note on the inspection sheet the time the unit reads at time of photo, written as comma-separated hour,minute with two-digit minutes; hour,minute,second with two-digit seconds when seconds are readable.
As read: 11,07
